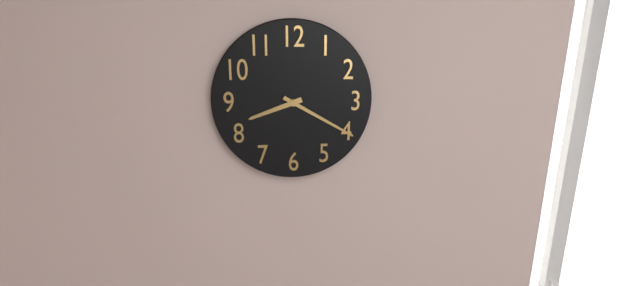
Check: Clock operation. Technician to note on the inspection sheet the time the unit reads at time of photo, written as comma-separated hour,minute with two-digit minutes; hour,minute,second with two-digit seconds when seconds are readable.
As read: 8,20
